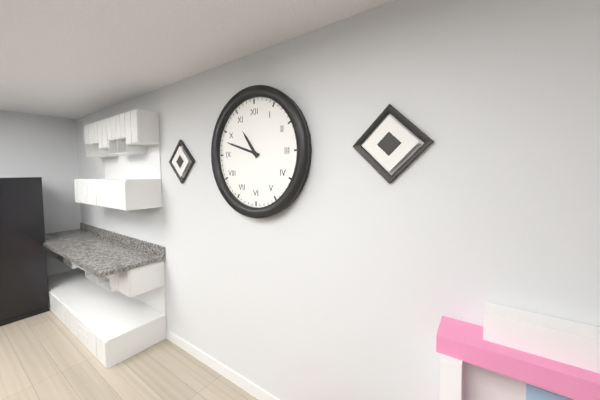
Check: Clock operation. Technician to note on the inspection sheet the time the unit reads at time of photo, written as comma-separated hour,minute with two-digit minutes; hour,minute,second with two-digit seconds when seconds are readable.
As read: 10,48
